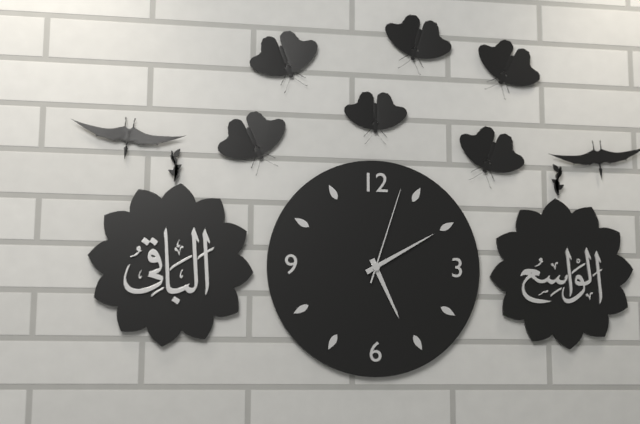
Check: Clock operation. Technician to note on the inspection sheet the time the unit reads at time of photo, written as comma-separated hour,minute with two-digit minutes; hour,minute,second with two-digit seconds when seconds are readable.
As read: 5,10,03
